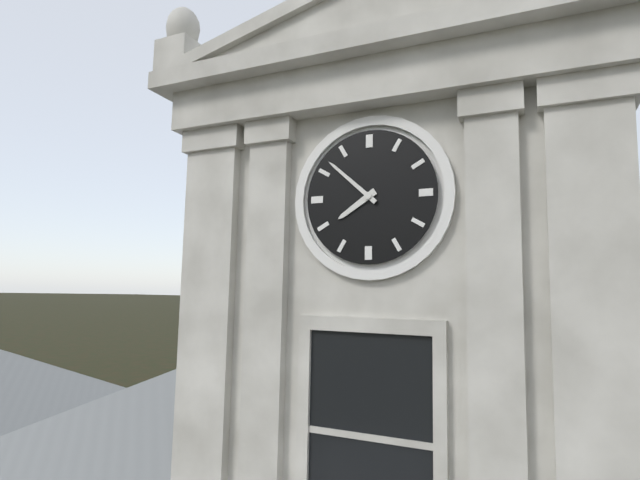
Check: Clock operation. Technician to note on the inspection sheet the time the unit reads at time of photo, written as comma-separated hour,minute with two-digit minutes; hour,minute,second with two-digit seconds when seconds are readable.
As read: 7,52
